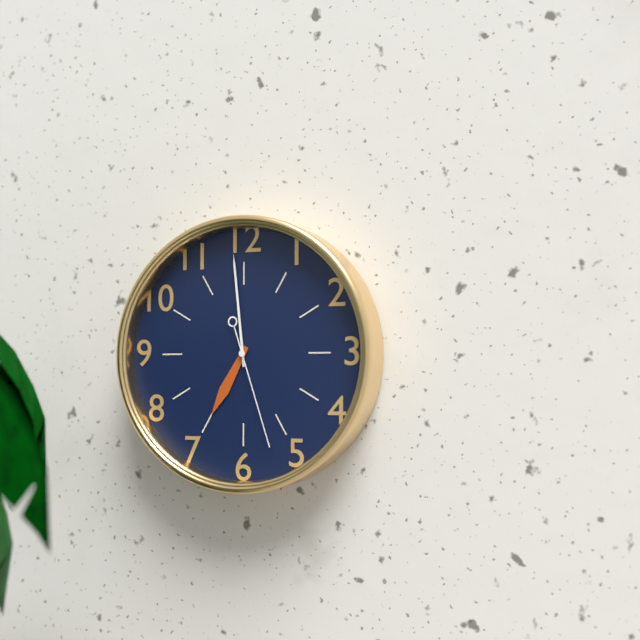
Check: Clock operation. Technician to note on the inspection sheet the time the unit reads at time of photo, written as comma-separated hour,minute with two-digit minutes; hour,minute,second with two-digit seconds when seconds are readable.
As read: 6,59,27
